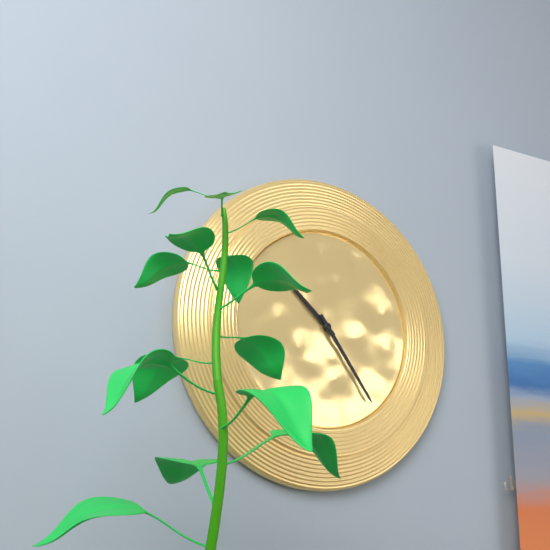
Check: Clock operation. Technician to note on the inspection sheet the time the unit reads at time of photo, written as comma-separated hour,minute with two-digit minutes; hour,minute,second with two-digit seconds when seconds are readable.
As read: 10,24
